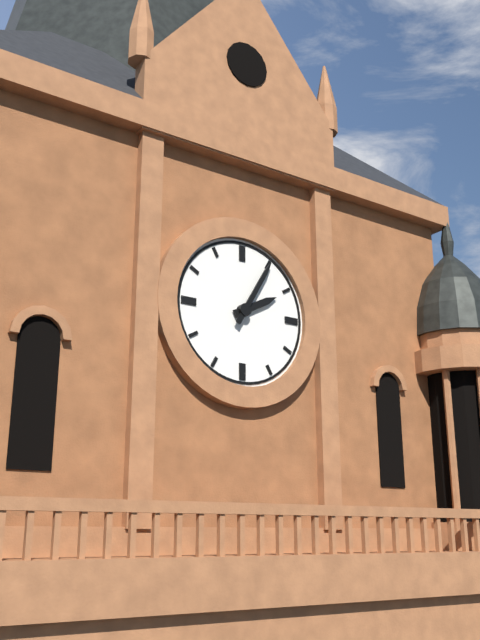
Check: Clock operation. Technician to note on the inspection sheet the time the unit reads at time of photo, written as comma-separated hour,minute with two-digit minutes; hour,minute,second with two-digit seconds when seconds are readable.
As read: 2,05
